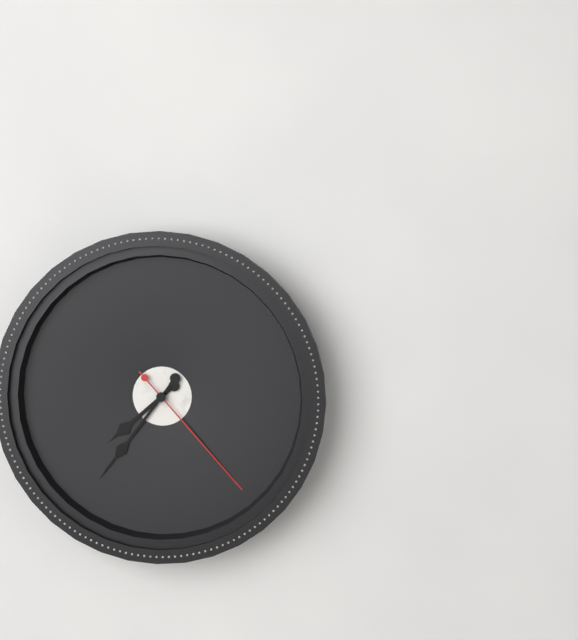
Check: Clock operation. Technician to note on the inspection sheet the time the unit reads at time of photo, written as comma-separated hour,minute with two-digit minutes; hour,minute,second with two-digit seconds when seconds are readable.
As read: 7,36,23
